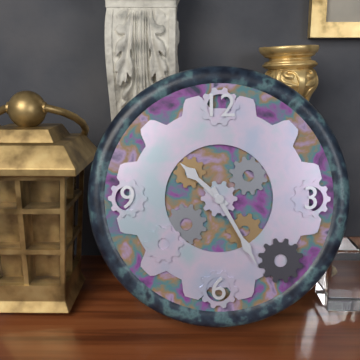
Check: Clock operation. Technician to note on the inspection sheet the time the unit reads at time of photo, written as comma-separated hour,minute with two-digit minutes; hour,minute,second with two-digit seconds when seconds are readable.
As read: 10,25
